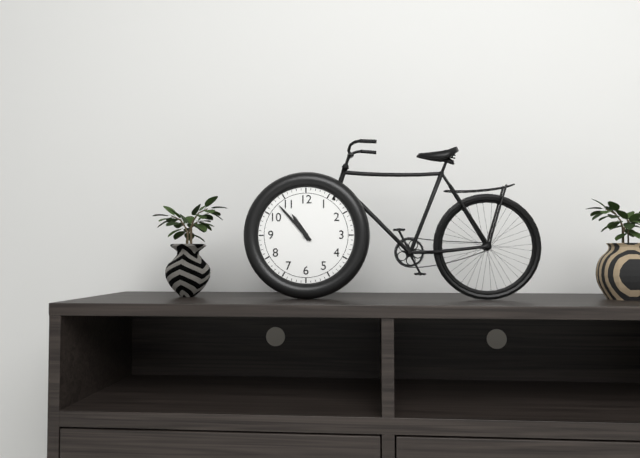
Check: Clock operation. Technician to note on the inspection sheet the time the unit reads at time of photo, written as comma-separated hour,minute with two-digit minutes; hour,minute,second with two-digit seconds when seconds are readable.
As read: 10,53
